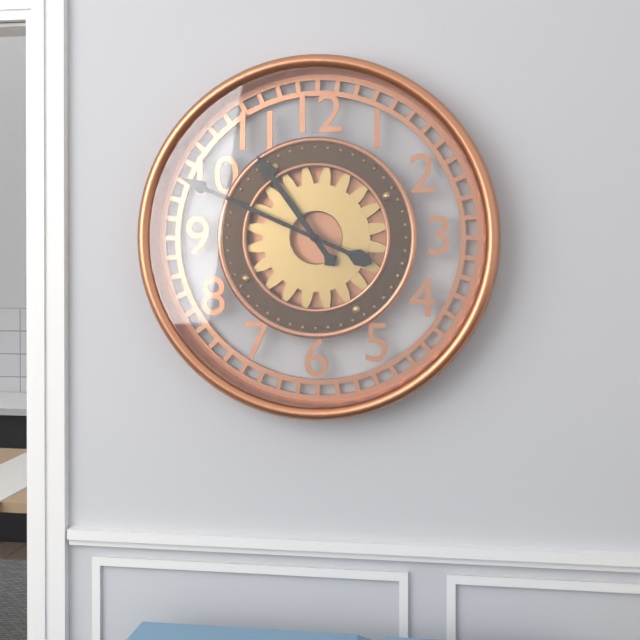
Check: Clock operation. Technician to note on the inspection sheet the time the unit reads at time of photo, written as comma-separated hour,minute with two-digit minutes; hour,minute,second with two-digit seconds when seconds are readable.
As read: 10,49
